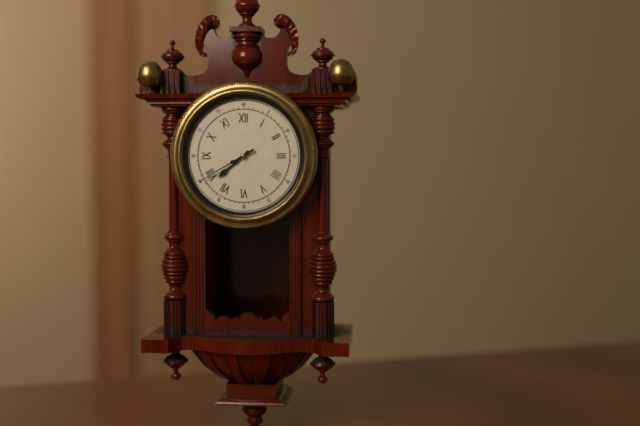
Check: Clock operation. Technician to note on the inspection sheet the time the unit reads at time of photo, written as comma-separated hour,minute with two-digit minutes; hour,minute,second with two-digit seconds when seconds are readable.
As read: 7,40
